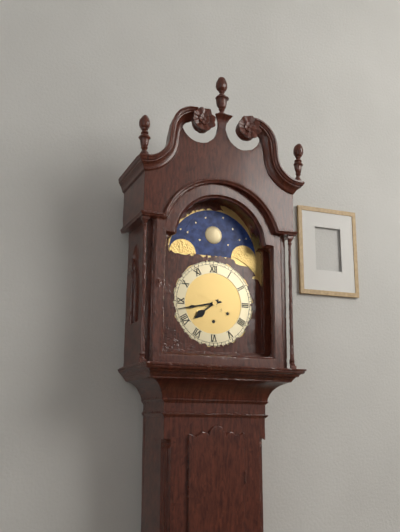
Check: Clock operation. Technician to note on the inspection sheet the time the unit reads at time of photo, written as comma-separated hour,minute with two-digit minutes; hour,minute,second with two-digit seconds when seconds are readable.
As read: 7,43
